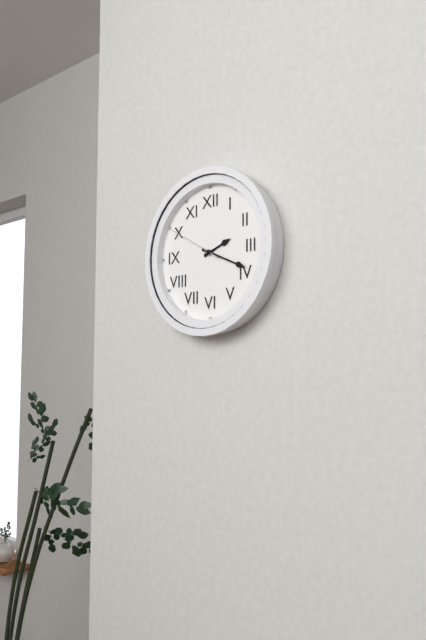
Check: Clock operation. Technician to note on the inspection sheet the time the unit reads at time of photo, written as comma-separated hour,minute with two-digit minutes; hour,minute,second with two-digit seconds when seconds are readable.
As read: 2,19,50
